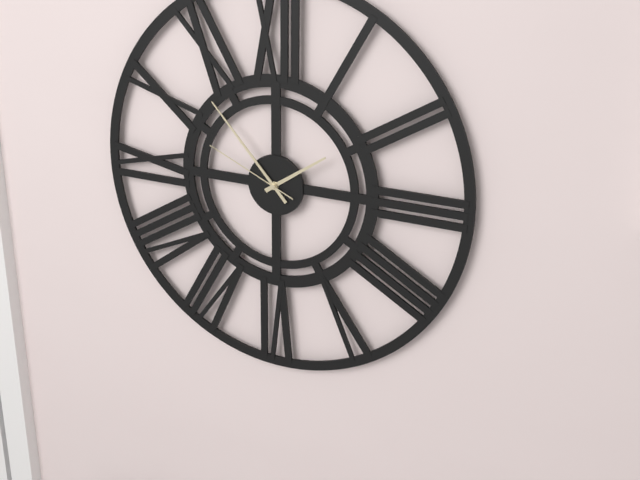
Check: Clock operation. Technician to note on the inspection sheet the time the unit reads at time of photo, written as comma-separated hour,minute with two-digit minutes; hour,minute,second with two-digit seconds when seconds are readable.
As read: 1,53,49
